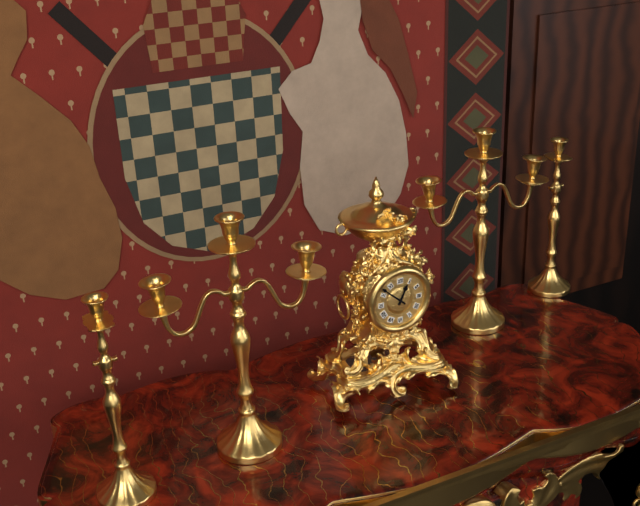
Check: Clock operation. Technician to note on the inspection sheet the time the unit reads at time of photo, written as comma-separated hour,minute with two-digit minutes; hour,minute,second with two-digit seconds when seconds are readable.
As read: 12,52
